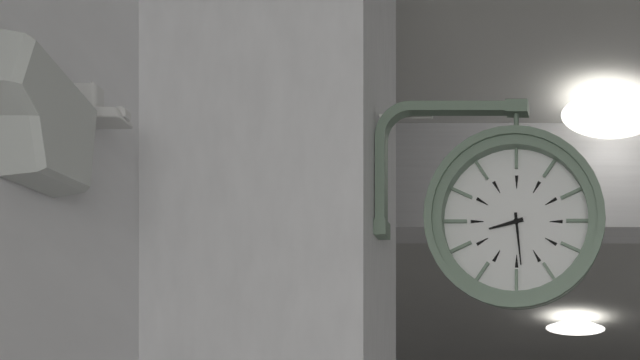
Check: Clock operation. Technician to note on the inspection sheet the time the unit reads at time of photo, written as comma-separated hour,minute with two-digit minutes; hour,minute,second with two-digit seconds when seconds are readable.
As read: 8,29
